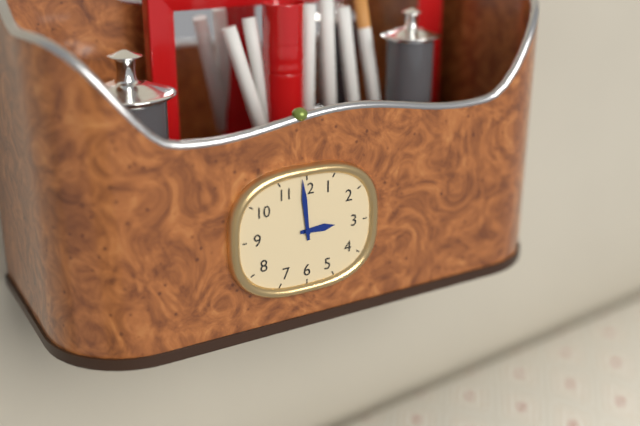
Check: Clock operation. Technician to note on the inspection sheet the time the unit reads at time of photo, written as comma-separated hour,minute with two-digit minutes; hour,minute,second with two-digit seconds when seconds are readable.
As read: 2,59
